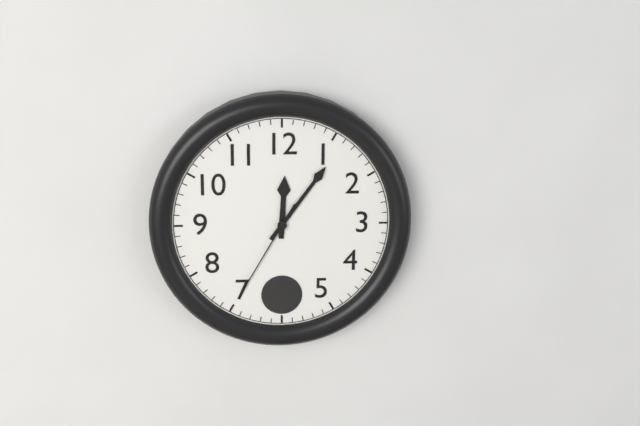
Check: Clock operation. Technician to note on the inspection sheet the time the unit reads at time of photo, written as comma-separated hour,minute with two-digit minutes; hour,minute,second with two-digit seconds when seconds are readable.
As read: 12,06,35
